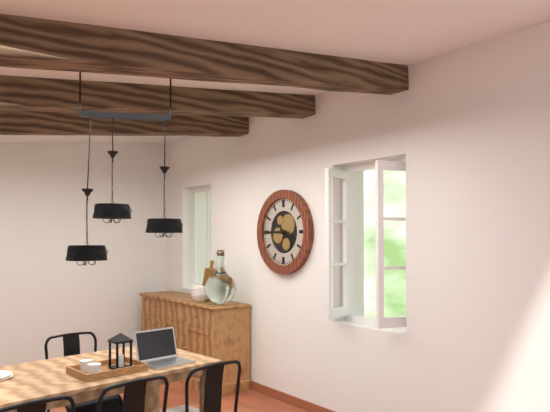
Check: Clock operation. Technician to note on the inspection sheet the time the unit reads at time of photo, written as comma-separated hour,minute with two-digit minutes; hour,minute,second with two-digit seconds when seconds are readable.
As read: 3,45
